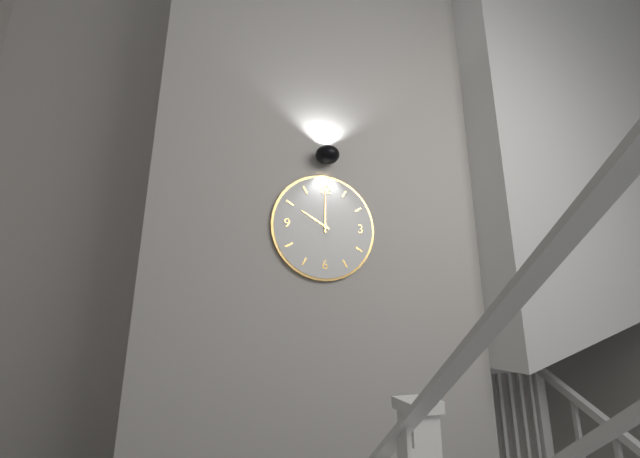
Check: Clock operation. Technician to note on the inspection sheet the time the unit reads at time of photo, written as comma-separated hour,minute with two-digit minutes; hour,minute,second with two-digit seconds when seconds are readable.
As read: 10,00
